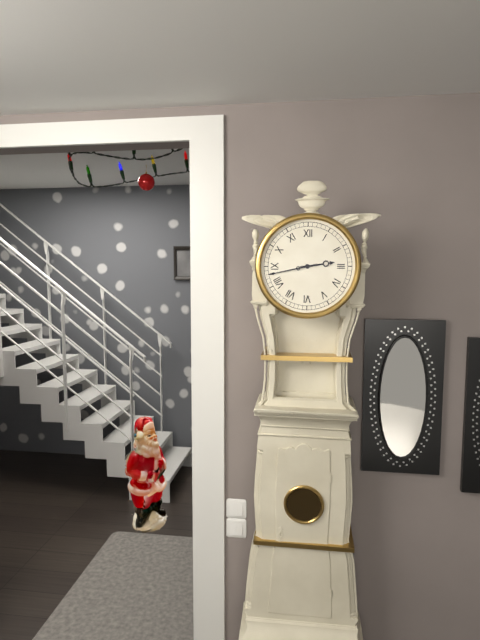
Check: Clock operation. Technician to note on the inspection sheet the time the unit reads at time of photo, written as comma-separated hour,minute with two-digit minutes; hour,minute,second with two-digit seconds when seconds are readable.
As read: 2,43
